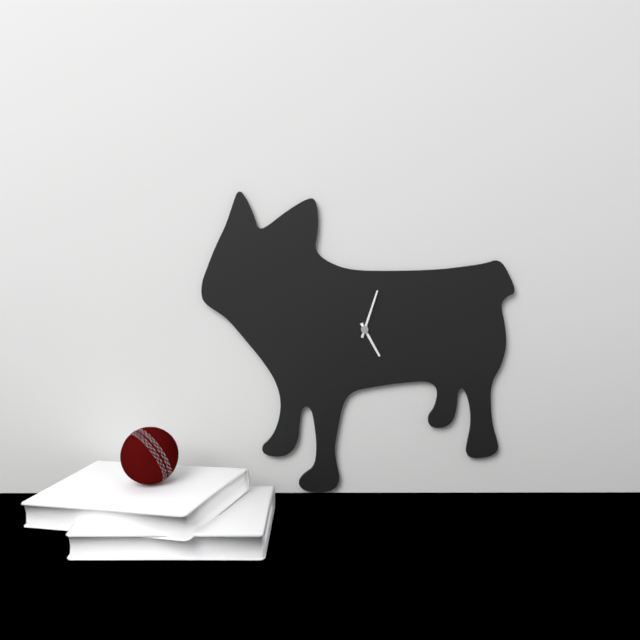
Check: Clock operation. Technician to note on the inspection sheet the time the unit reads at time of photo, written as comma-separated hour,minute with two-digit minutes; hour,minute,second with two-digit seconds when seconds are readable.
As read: 5,03
